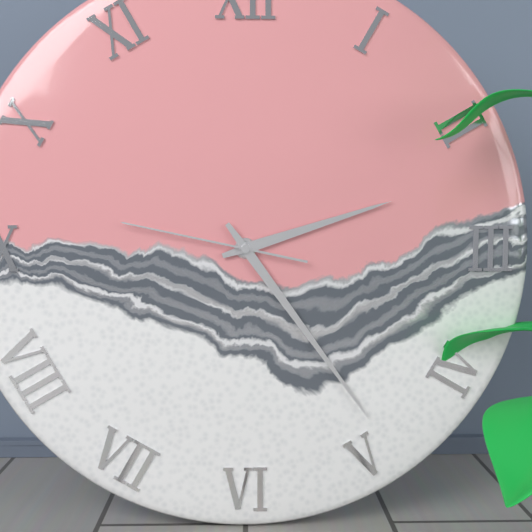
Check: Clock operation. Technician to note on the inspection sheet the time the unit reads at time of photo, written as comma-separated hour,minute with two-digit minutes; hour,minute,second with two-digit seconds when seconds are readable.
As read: 2,24,47
